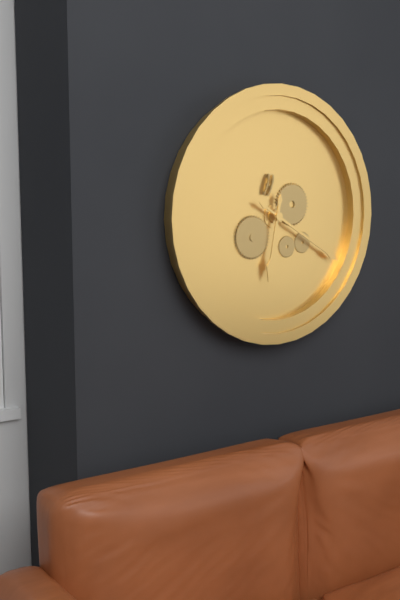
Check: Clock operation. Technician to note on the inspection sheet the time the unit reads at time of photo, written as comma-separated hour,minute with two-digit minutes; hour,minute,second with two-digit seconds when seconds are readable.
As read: 6,20
